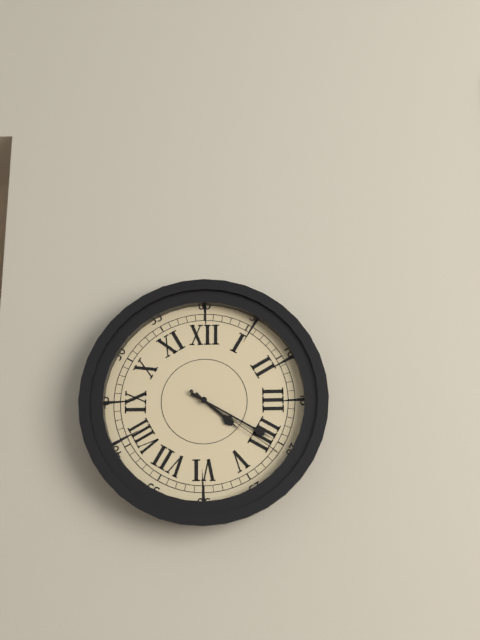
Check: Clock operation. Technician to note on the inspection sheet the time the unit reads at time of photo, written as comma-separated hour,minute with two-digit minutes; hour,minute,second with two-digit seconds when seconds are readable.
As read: 4,20,21
